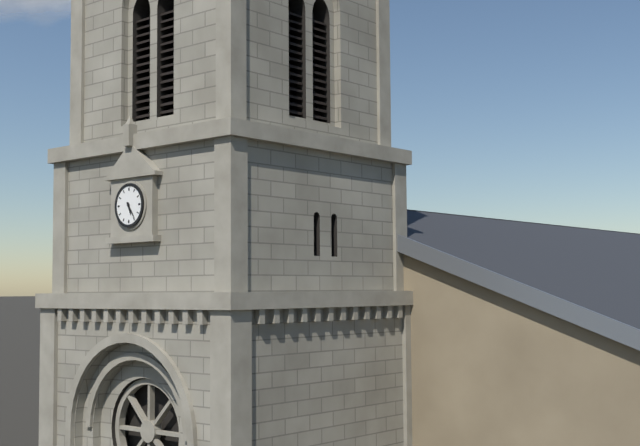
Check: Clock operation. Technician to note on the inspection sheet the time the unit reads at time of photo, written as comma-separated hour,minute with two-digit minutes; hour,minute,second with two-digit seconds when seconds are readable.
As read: 5,24
